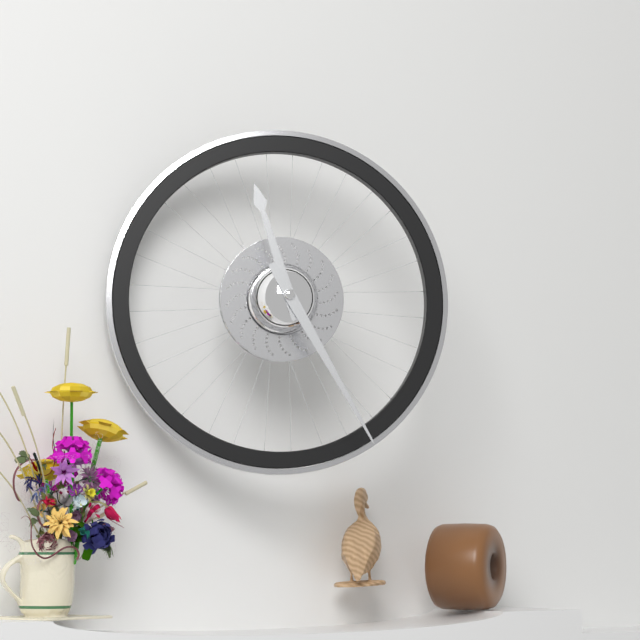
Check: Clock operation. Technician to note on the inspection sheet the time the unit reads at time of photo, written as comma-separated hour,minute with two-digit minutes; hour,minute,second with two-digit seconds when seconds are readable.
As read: 11,25
